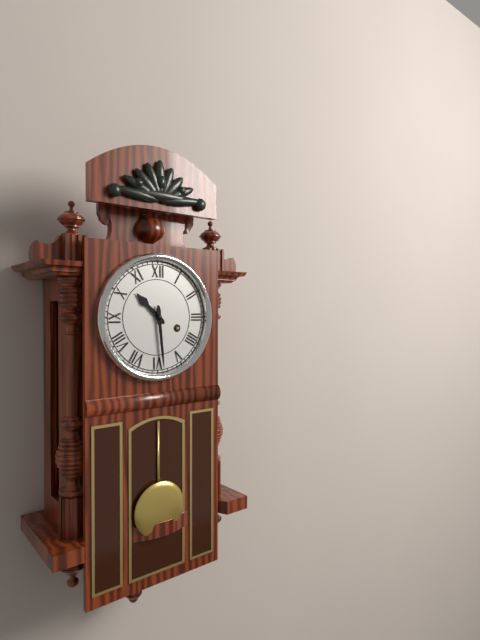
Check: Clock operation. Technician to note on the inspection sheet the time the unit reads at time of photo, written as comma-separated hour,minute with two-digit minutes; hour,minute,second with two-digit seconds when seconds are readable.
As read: 10,29
